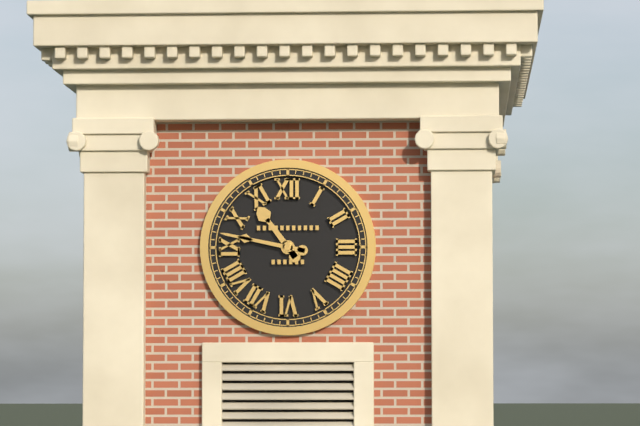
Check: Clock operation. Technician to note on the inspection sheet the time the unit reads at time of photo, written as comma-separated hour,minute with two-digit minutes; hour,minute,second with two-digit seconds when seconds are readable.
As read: 10,47
